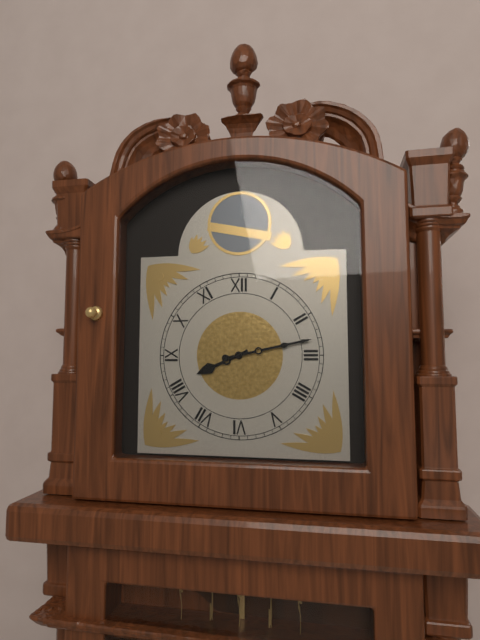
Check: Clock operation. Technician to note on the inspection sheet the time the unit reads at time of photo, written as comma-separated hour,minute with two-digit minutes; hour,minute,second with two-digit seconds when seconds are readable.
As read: 8,13
